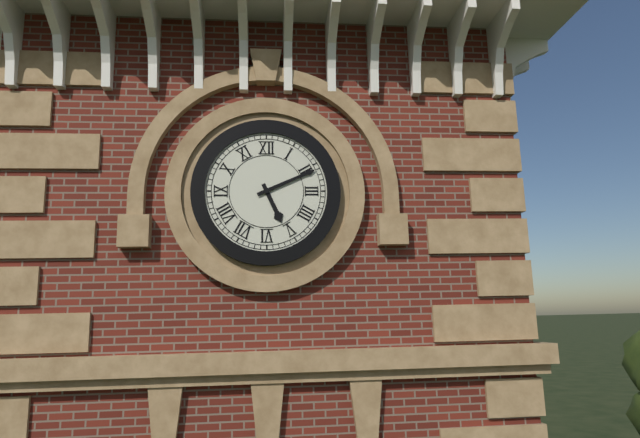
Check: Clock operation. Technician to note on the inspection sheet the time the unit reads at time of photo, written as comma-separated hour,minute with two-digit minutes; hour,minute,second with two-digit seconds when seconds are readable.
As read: 5,11
